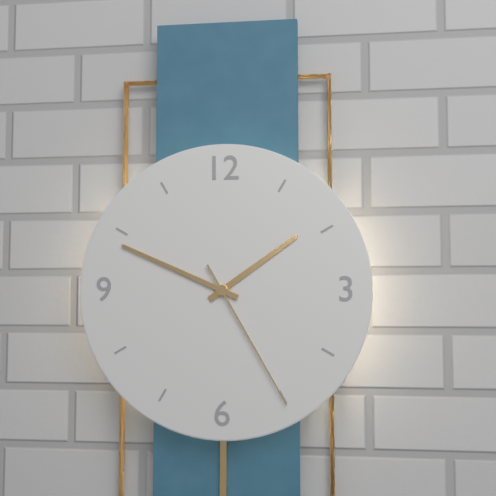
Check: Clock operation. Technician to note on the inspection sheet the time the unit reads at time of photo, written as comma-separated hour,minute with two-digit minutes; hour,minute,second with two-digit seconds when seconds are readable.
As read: 1,49,25
